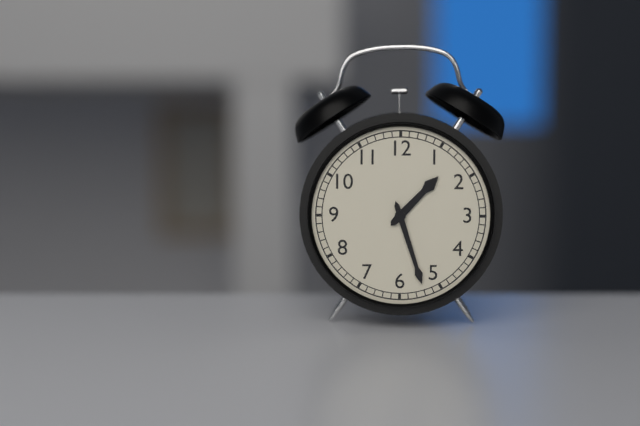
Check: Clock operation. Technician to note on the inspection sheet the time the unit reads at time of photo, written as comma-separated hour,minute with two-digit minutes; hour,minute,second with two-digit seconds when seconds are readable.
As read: 1,27
